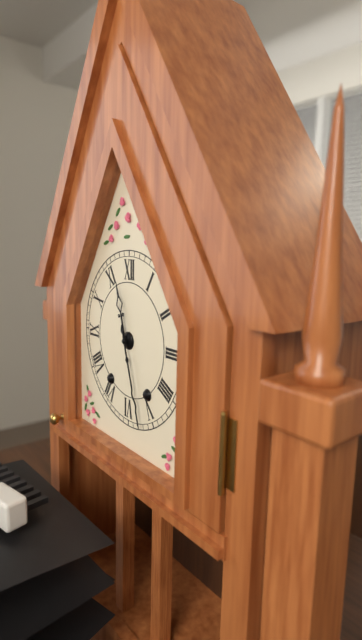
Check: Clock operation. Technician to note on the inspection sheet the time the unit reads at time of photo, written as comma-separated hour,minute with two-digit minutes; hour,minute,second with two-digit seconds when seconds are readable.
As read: 11,27
